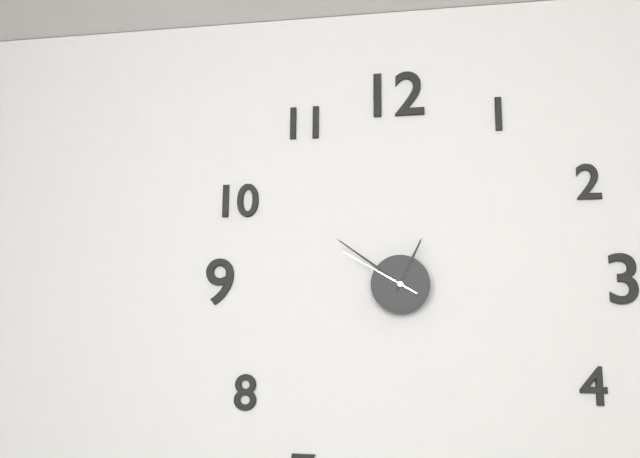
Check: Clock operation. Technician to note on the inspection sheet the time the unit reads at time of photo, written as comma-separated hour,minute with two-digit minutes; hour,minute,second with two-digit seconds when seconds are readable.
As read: 12,51,50
